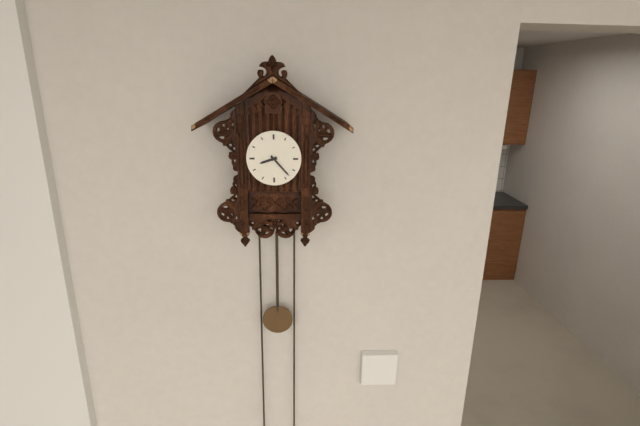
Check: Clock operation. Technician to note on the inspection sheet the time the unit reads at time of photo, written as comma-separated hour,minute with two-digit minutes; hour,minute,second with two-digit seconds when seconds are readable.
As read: 8,23
